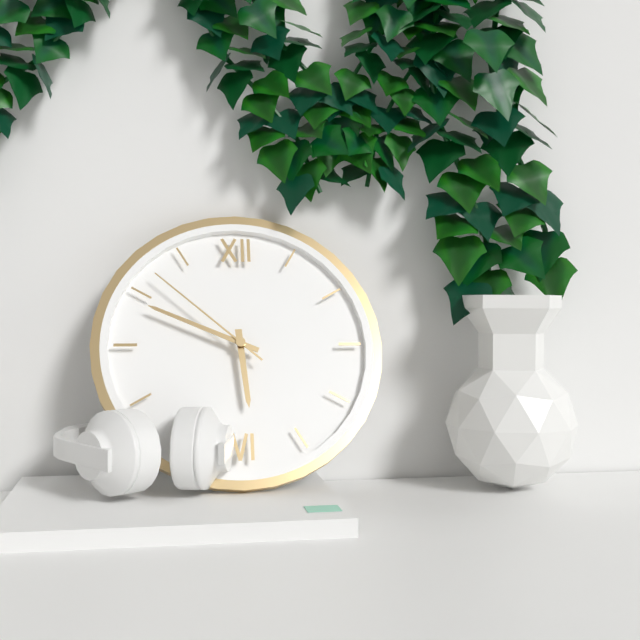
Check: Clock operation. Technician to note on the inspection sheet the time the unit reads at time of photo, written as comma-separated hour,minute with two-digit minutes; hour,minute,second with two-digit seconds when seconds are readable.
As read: 5,49,52
